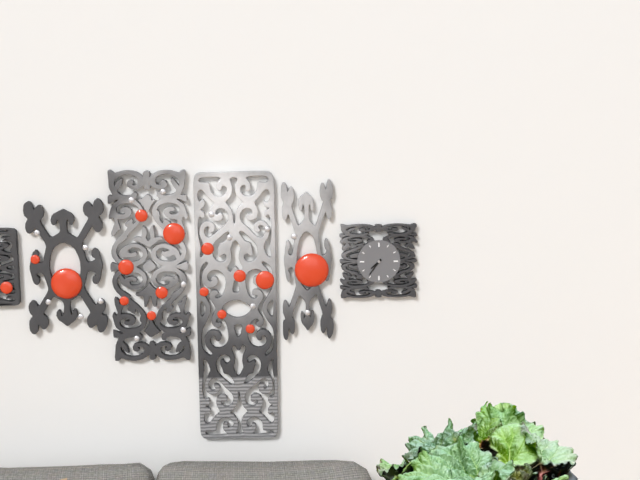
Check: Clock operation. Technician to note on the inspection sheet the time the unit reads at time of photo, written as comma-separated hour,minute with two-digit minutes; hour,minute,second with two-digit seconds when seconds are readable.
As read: 7,36
